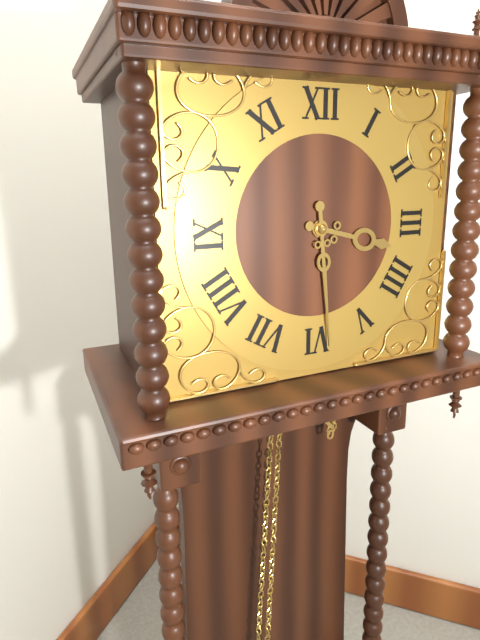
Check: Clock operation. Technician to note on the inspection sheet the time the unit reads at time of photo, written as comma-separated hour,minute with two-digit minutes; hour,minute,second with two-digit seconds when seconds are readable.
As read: 3,29
